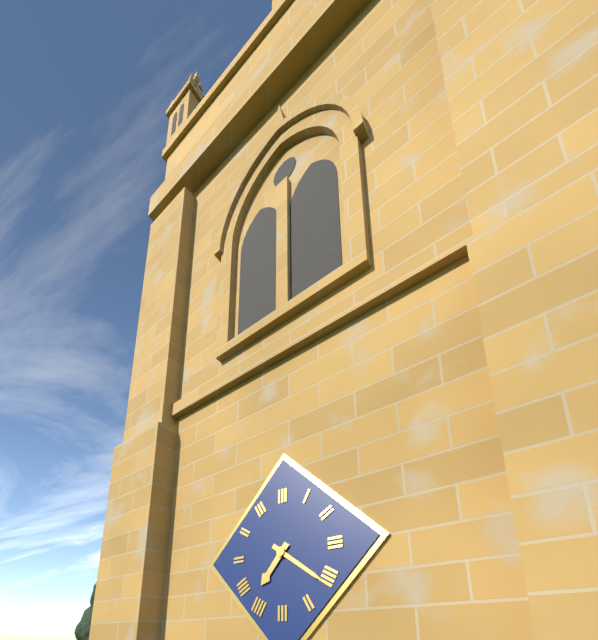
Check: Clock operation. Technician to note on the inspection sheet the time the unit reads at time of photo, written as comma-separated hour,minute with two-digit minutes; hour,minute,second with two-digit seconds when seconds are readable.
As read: 7,21
